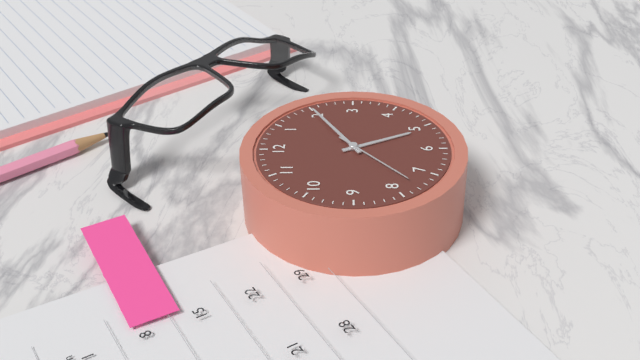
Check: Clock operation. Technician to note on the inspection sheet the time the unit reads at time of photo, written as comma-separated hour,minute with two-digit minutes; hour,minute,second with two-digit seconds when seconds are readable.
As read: 5,10,38
